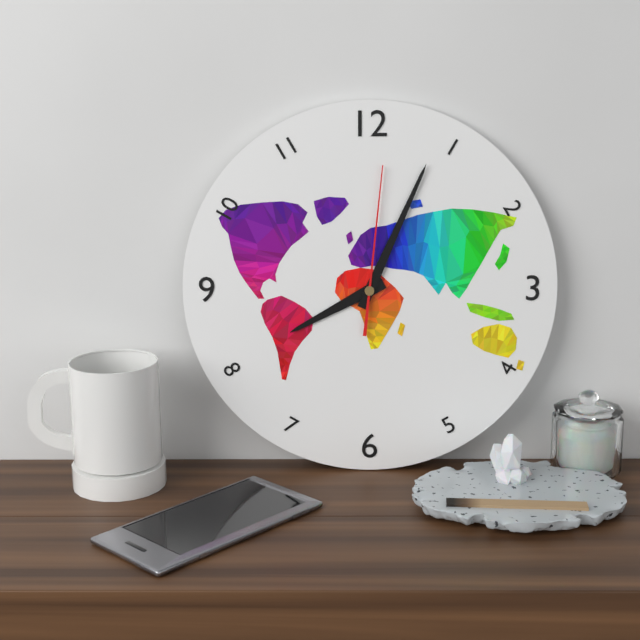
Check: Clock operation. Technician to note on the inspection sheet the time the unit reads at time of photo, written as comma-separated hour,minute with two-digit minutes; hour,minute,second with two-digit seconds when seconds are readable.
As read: 8,04,01
